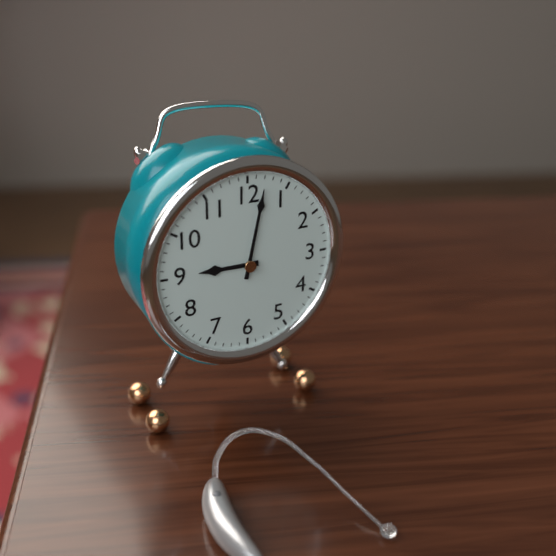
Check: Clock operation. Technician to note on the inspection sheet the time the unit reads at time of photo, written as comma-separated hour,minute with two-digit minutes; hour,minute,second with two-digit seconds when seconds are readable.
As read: 9,02
